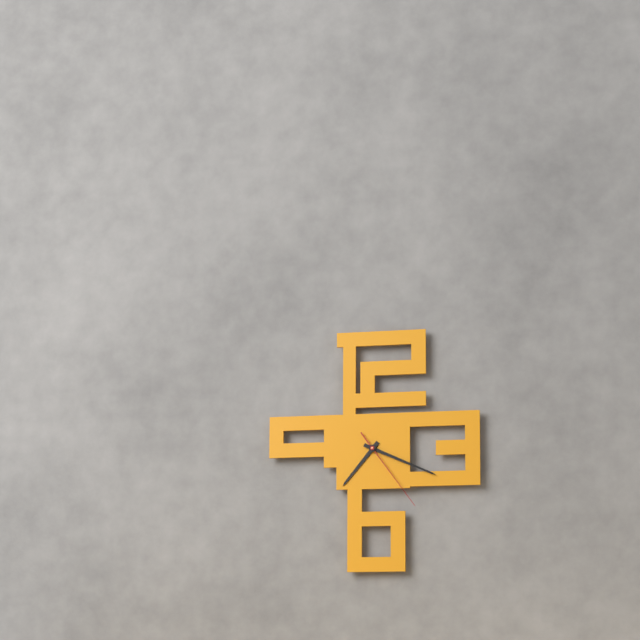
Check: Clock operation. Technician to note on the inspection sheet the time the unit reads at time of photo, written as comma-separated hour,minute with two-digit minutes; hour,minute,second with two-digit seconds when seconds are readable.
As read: 7,19,24
